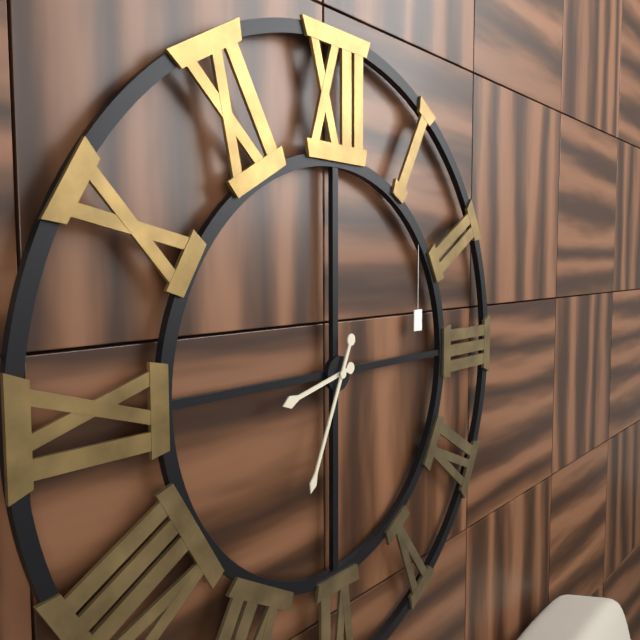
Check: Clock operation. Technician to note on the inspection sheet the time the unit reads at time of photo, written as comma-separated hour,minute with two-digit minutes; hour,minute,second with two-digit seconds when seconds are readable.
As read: 8,34
